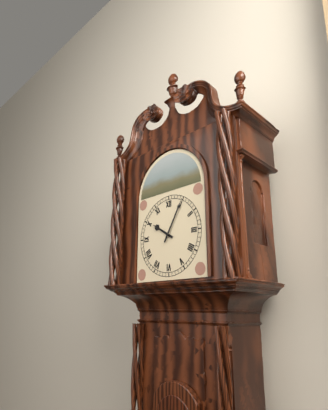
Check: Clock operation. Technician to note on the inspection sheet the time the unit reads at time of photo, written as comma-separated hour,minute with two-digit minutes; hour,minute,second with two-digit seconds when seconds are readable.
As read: 10,05
